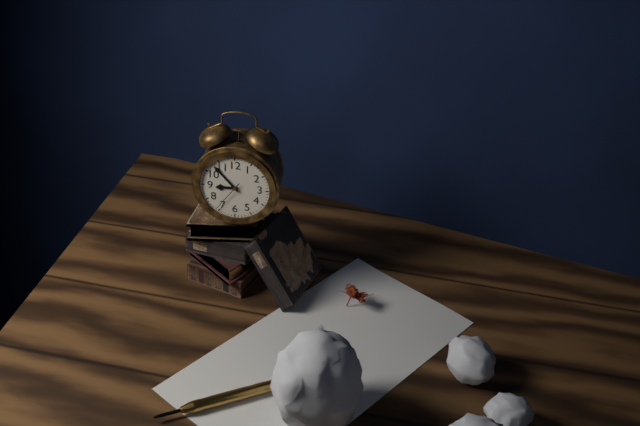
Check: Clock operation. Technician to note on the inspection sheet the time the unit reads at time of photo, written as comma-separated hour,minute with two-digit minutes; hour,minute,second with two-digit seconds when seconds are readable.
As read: 8,53
